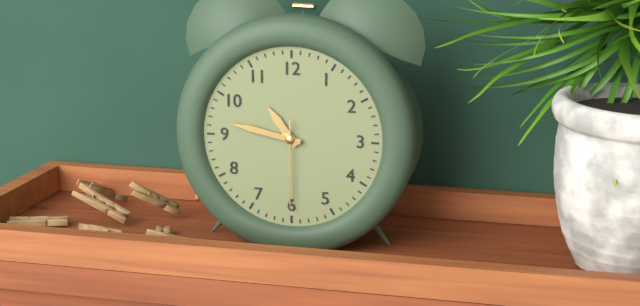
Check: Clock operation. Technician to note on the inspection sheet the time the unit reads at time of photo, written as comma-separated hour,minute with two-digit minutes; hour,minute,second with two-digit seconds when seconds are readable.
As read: 10,47,30
